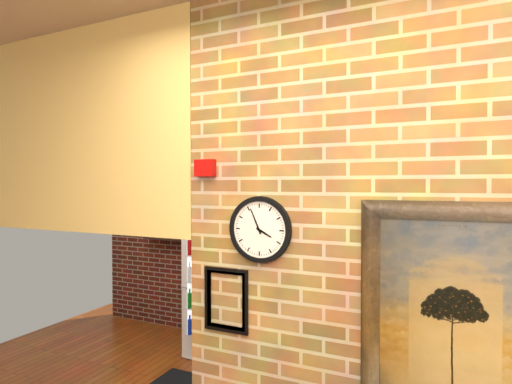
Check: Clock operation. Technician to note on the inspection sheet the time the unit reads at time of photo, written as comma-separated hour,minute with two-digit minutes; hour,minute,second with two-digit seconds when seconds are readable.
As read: 3,56
